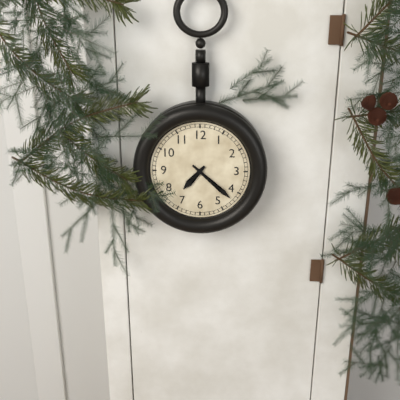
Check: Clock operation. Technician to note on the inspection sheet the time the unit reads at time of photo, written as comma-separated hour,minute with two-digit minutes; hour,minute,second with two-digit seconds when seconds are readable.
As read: 7,22
